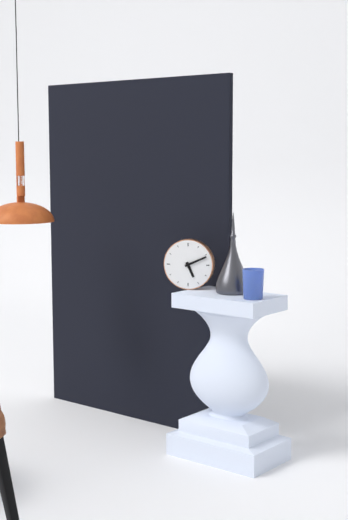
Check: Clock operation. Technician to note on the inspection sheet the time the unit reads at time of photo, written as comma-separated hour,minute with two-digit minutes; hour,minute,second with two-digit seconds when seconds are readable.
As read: 5,11
